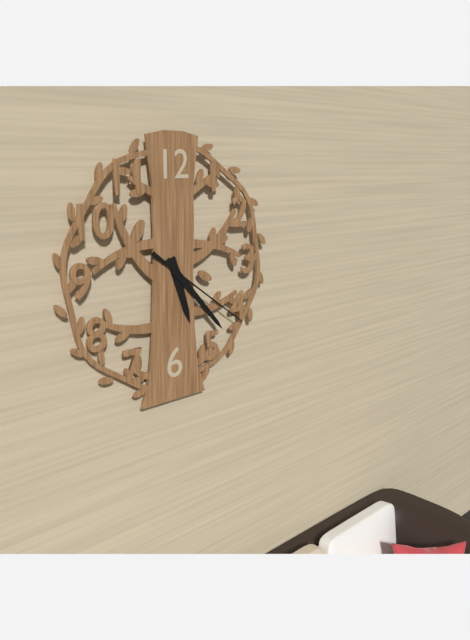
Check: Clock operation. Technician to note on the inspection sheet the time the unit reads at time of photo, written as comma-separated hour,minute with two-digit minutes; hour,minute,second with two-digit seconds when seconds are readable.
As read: 5,23,21
